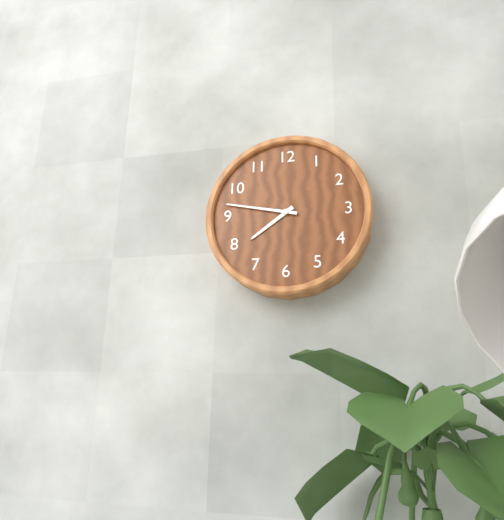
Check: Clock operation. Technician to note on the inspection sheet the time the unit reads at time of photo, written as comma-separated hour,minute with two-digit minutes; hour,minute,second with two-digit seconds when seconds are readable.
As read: 7,47
